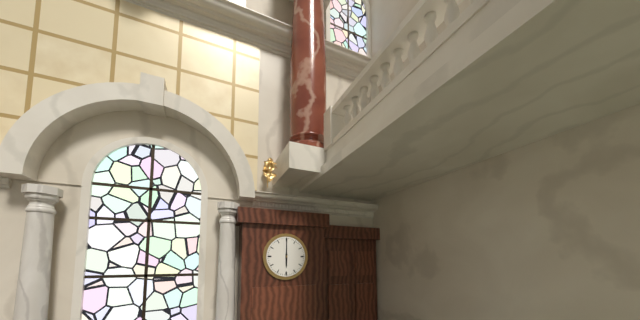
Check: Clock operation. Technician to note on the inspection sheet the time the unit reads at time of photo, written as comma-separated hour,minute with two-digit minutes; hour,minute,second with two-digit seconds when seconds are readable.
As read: 6,00
